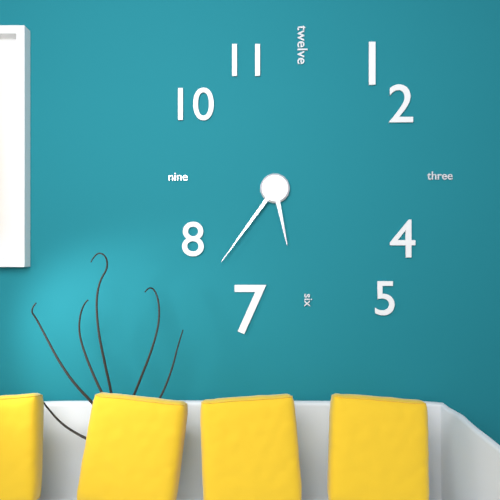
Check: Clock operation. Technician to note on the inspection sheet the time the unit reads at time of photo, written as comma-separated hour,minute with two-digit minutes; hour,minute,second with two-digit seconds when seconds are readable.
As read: 5,36
